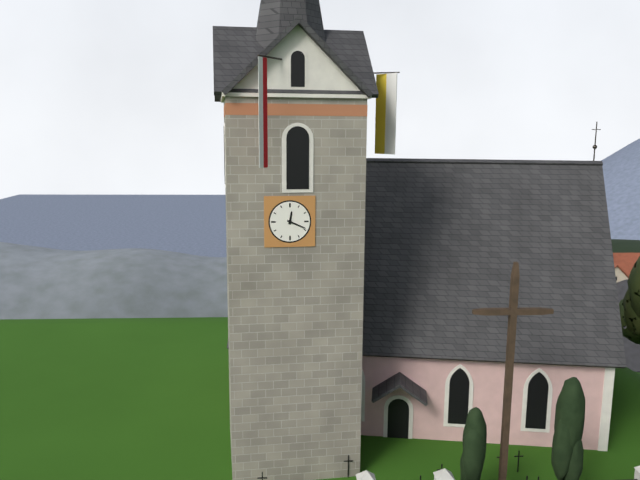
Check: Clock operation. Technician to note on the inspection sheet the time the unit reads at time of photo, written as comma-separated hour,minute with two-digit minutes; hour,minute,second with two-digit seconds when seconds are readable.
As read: 12,19
